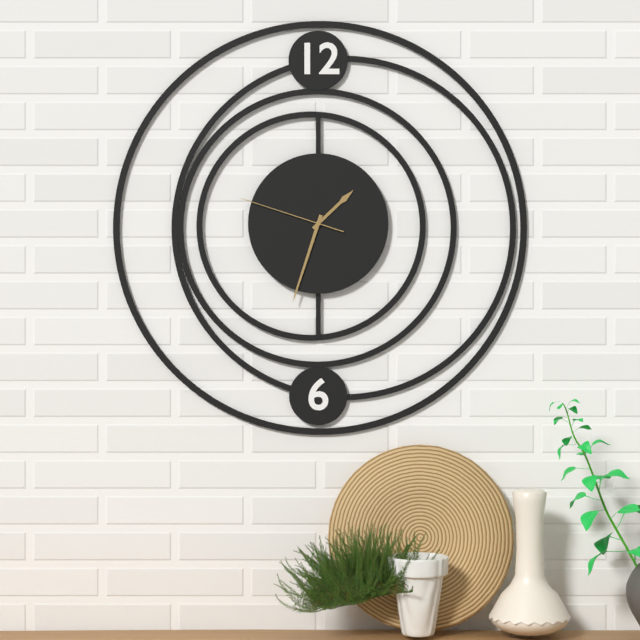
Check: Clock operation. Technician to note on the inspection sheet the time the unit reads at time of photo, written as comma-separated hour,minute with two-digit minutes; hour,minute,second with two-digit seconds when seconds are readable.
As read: 1,33,48
